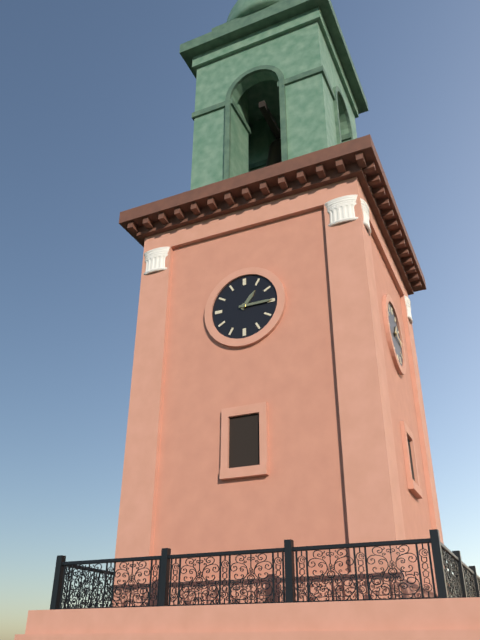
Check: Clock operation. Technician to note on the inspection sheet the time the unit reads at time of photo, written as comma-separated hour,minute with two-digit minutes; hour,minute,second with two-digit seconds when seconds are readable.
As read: 1,15
